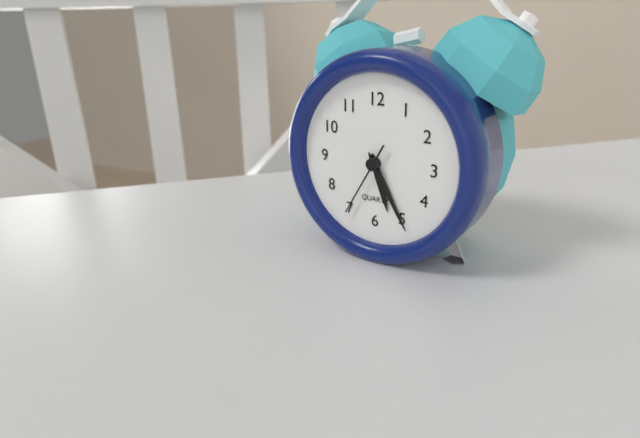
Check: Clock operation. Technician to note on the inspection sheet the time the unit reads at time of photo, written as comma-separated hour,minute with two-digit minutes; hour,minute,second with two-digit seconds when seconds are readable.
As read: 5,25,35
